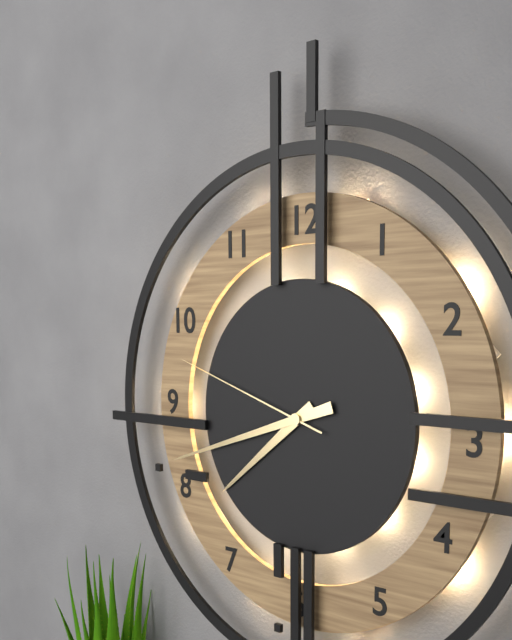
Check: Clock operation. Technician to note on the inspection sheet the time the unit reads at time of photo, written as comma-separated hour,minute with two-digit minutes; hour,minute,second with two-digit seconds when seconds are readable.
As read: 7,42,48
